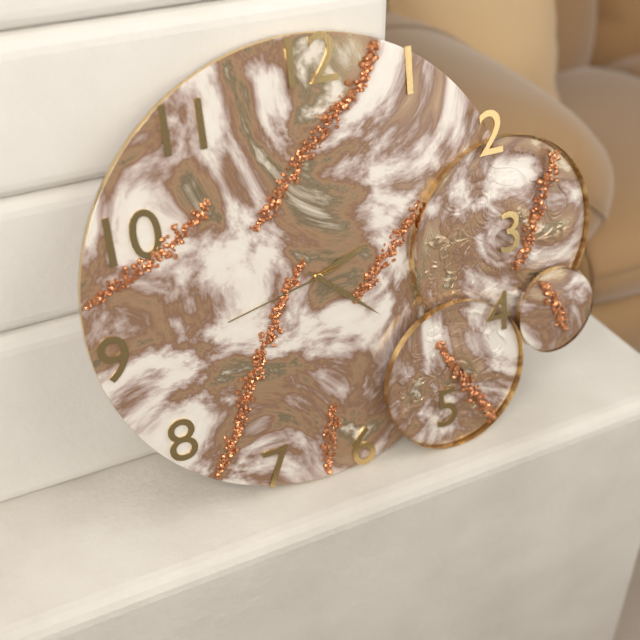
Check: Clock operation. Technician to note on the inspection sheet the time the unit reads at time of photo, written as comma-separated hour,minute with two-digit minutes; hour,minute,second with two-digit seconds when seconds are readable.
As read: 2,22,43
